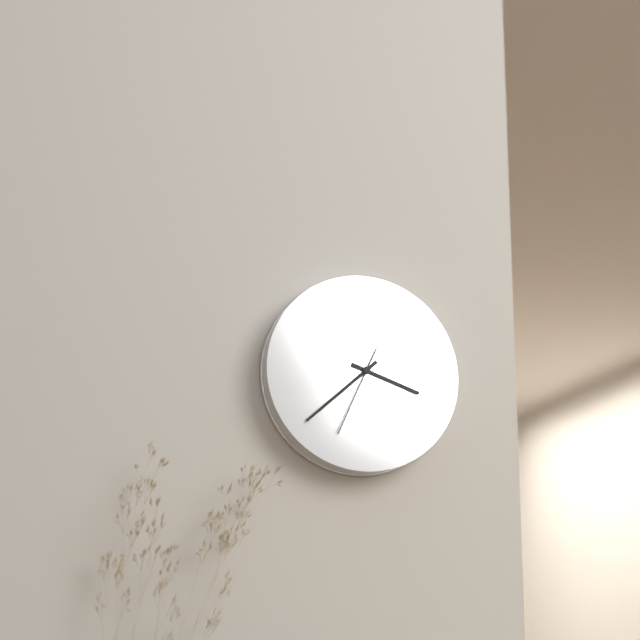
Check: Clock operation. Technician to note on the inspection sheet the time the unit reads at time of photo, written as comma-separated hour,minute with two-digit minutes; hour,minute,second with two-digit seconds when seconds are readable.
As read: 3,38,34
